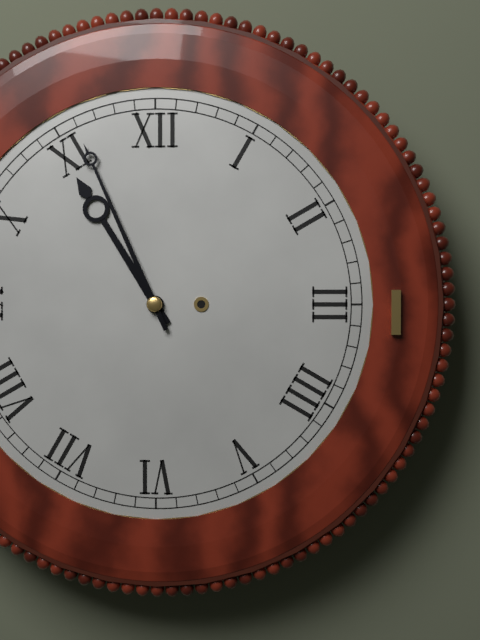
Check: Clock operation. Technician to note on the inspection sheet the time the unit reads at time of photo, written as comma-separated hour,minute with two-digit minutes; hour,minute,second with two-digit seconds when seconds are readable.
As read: 10,56
